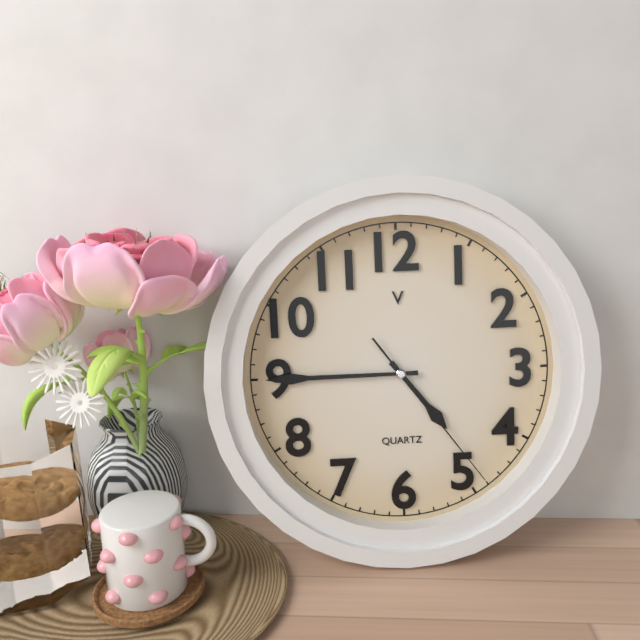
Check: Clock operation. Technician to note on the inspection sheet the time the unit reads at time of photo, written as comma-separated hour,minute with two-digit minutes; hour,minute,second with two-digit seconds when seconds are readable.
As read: 4,45,24
